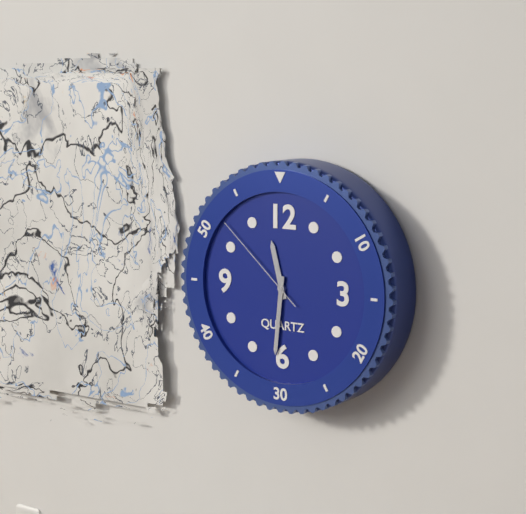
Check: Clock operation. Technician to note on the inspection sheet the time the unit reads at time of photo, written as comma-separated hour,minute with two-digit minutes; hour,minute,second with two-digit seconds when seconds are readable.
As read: 11,31,52
